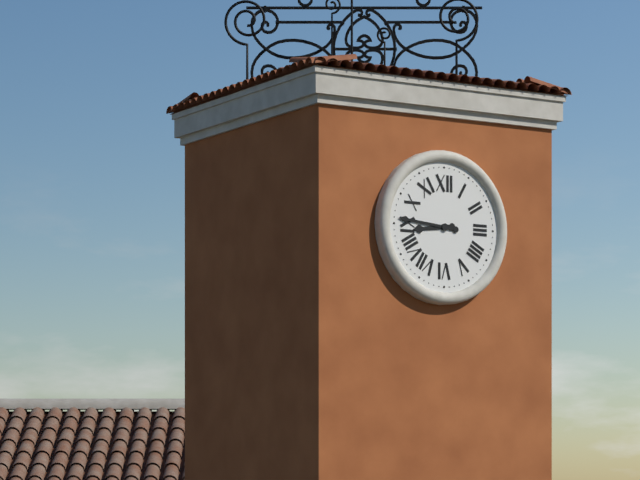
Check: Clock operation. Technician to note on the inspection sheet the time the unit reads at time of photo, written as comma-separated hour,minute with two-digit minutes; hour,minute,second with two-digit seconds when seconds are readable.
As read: 8,46
